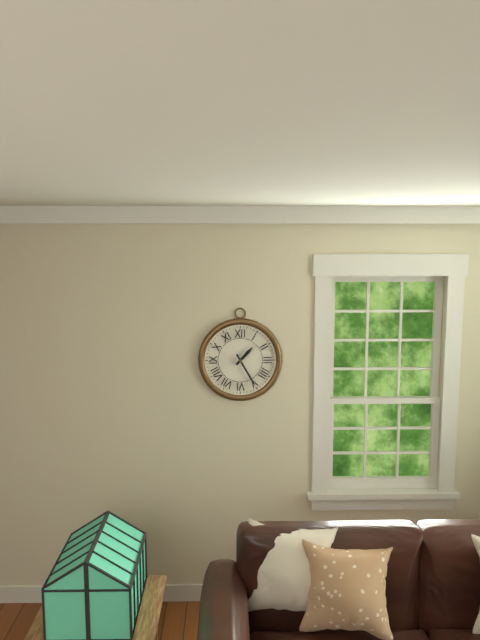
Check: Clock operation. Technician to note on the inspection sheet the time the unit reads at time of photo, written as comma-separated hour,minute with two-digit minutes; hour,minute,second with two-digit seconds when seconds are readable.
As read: 1,25
